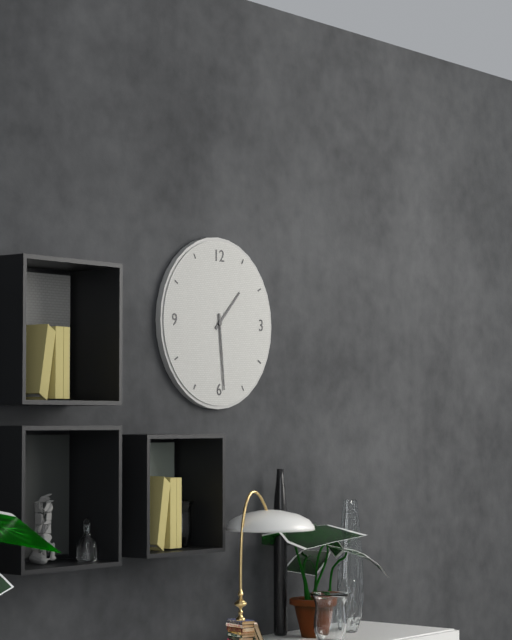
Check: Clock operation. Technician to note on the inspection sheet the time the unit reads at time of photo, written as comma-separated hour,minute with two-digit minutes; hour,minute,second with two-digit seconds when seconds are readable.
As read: 1,29
